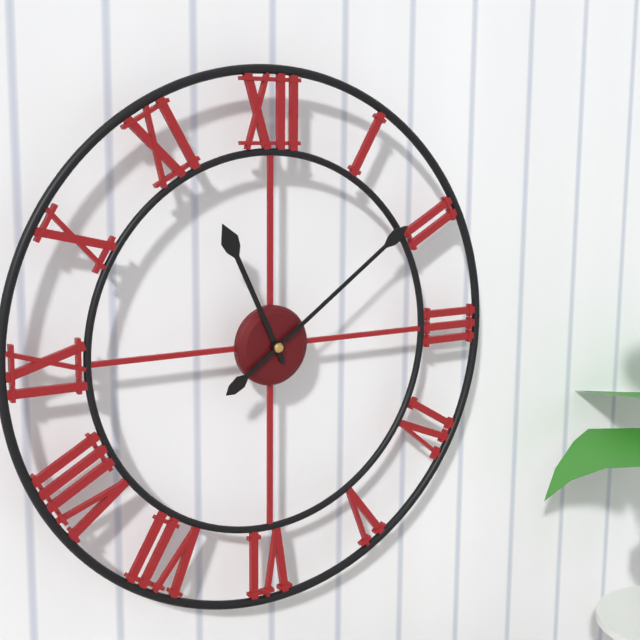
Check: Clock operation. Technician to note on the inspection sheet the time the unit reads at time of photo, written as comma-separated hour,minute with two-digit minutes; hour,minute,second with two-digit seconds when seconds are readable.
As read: 11,09
